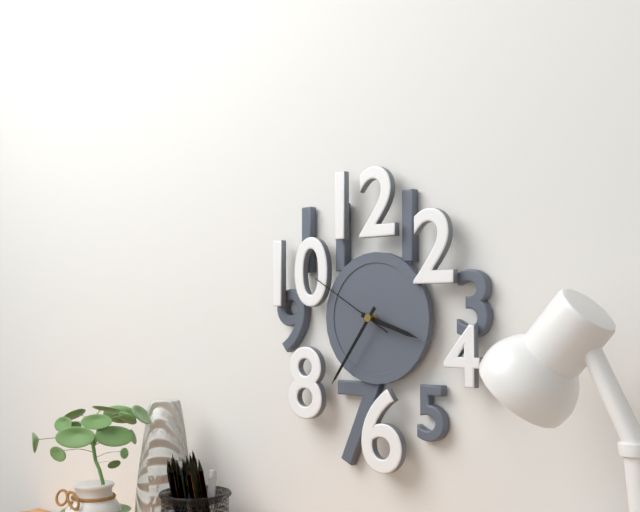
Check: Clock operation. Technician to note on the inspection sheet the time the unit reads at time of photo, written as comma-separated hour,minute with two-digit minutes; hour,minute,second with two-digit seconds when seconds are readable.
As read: 3,36,50
